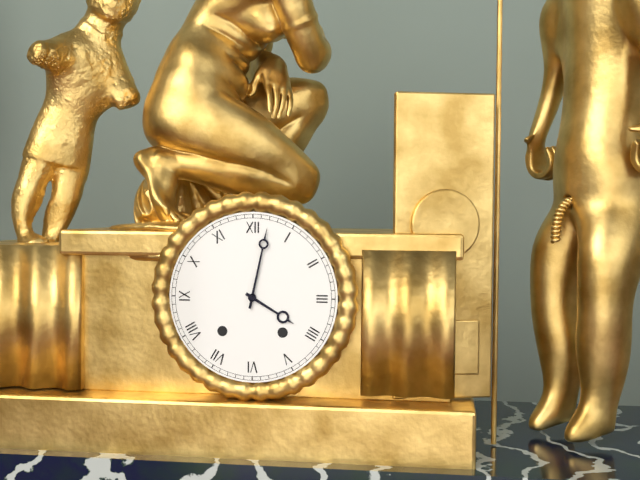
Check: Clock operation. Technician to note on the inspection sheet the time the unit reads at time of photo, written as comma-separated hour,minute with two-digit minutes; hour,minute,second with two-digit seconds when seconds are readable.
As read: 4,02
